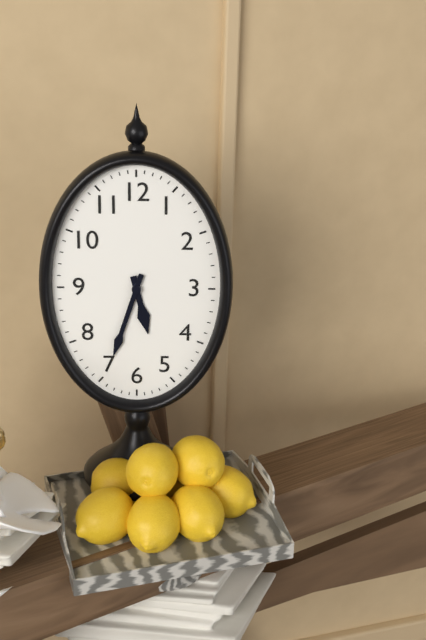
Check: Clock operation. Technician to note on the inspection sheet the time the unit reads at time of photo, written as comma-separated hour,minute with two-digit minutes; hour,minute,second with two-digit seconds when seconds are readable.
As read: 5,33
